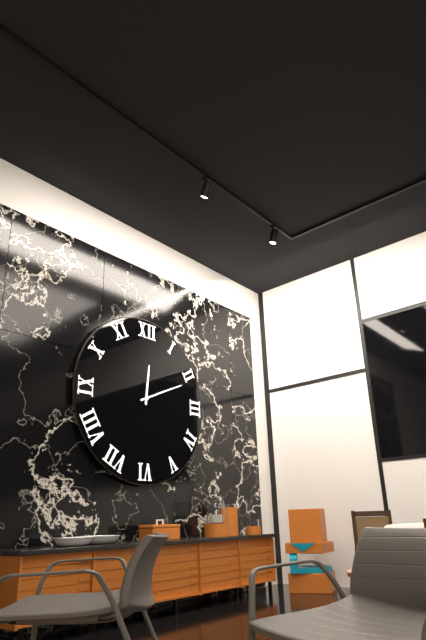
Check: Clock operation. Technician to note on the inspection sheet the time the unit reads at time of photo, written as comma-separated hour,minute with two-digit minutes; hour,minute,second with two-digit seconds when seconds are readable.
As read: 12,11
